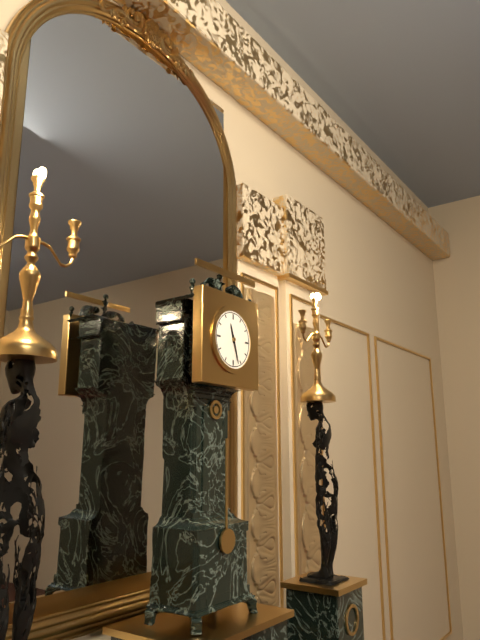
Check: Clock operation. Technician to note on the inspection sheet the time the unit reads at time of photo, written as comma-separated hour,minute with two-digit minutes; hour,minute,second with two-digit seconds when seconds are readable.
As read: 11,27
